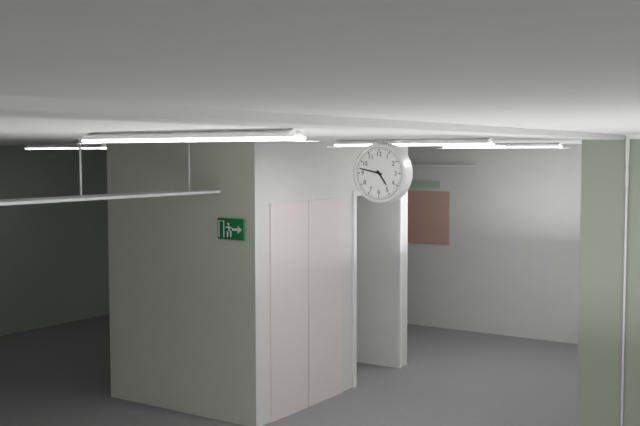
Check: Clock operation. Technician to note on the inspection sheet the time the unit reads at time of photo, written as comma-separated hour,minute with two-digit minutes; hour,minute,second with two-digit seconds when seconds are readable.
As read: 4,47
